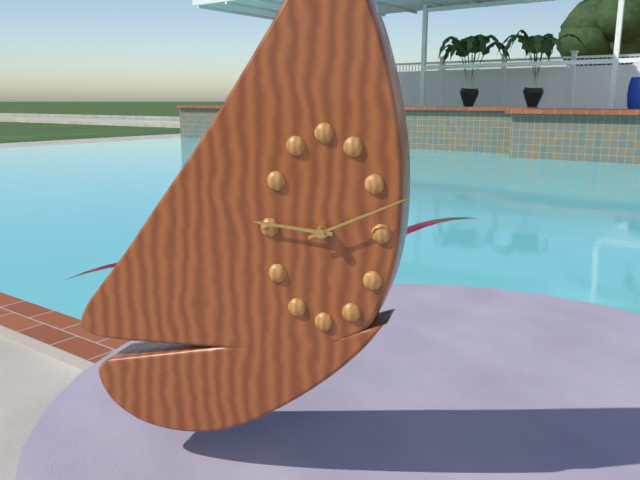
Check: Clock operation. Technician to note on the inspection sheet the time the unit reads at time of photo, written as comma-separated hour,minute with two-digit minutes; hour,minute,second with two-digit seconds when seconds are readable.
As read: 9,11
